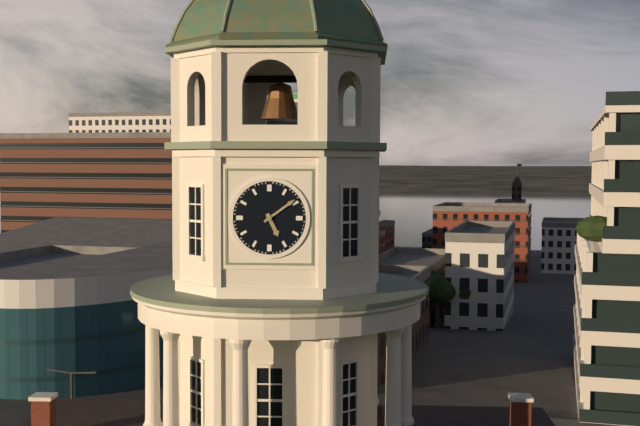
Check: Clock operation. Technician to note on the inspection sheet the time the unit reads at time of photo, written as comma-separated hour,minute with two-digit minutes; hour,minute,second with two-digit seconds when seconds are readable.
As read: 5,09
